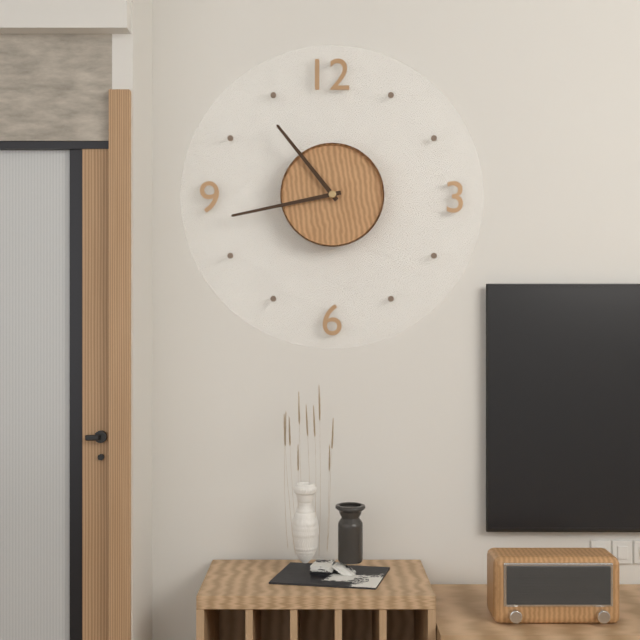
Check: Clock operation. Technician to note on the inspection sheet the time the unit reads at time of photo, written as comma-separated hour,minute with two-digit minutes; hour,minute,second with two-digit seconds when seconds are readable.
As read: 10,43
